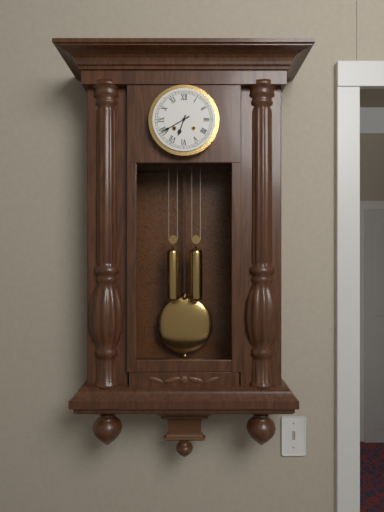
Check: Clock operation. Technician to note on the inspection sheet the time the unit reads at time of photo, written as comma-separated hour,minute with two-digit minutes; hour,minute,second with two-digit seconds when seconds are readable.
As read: 6,40
